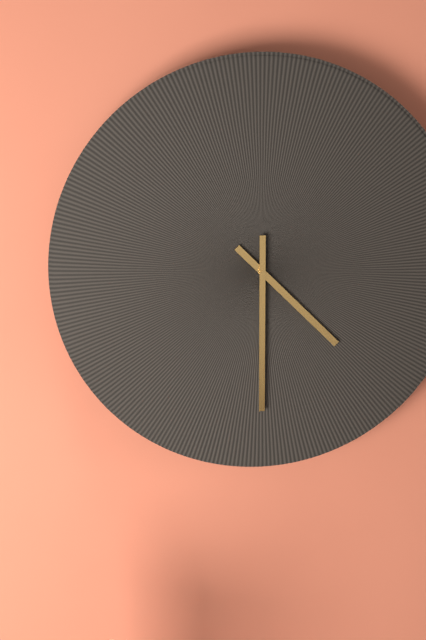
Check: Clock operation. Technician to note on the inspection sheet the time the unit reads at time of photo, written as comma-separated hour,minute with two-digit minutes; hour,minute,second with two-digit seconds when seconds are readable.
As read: 4,30
